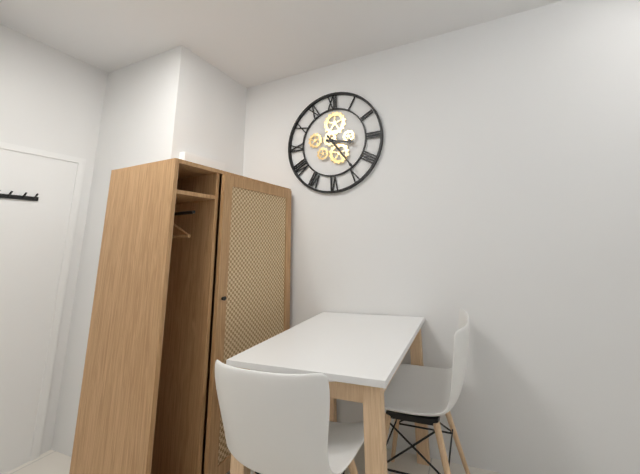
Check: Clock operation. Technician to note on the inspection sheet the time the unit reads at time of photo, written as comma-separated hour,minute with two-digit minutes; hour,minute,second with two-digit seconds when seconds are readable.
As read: 3,24
